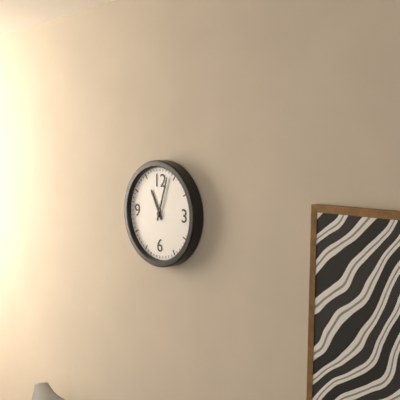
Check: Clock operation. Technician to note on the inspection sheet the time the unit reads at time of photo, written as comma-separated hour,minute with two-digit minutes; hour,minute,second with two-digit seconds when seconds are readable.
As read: 11,03
